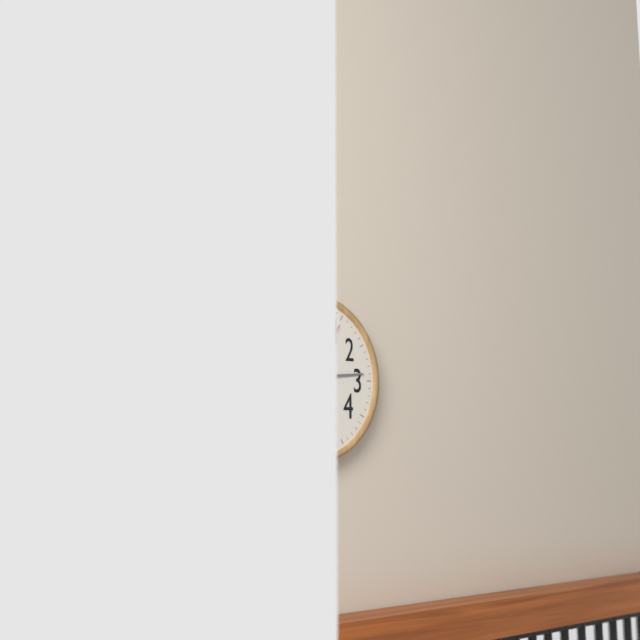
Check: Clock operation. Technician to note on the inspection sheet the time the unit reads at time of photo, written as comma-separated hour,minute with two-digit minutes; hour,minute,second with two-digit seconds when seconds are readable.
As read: 12,14,05
